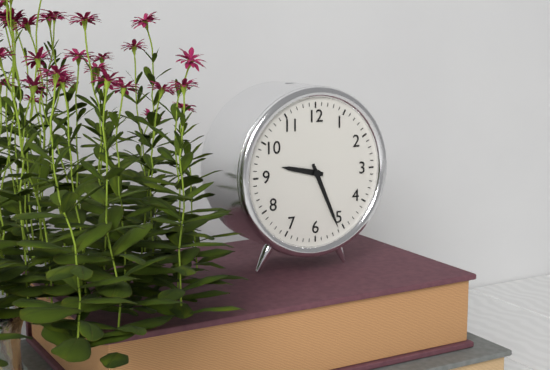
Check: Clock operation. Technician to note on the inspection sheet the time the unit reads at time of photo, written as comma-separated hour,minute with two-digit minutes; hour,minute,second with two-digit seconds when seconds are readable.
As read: 9,26
